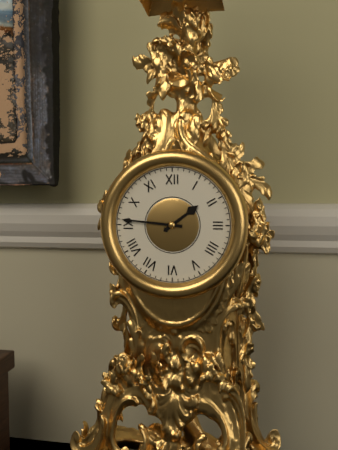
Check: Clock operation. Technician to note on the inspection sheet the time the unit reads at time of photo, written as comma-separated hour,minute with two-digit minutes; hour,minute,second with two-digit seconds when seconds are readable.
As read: 1,46
